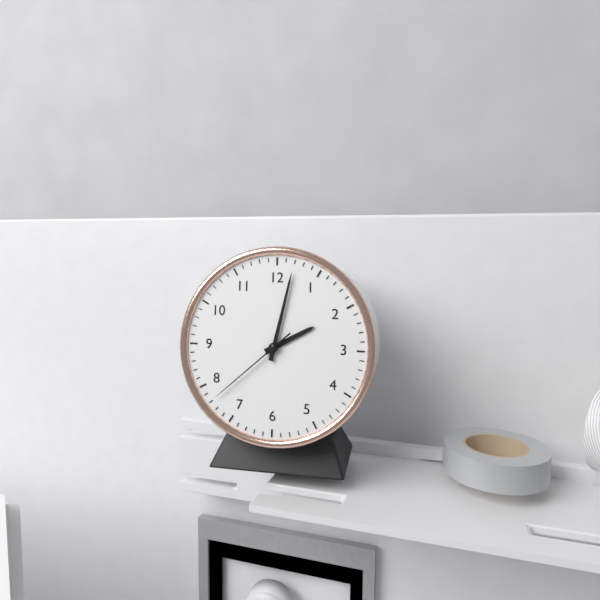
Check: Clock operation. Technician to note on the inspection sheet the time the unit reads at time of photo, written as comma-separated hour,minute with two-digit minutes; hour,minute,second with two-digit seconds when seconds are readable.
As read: 2,02,38
